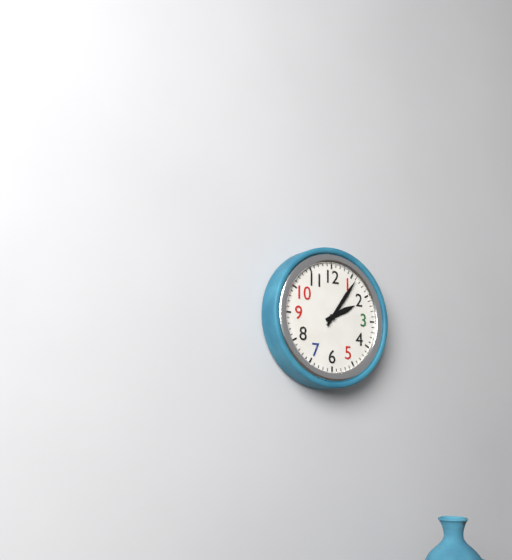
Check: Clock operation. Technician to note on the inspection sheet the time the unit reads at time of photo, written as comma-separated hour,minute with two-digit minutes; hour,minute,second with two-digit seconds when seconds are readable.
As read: 2,06
